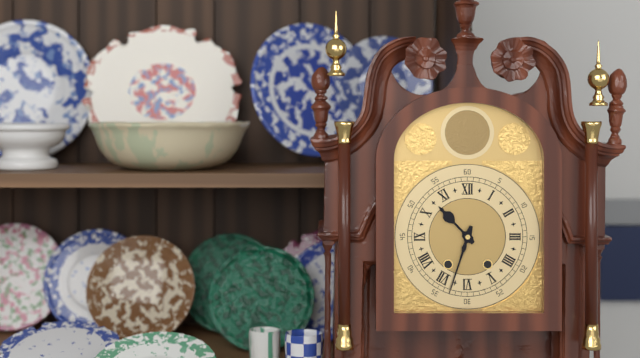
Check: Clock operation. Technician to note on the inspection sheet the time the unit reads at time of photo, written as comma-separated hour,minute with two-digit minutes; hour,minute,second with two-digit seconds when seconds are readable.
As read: 10,33
